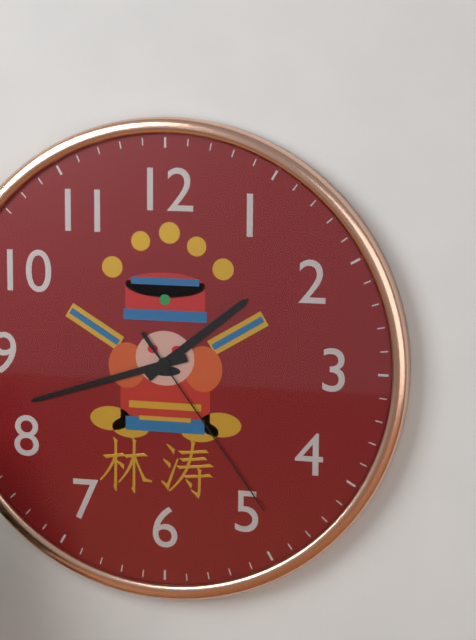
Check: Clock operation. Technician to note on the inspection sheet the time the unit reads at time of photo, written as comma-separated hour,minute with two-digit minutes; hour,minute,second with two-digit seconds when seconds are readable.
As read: 1,42,24
